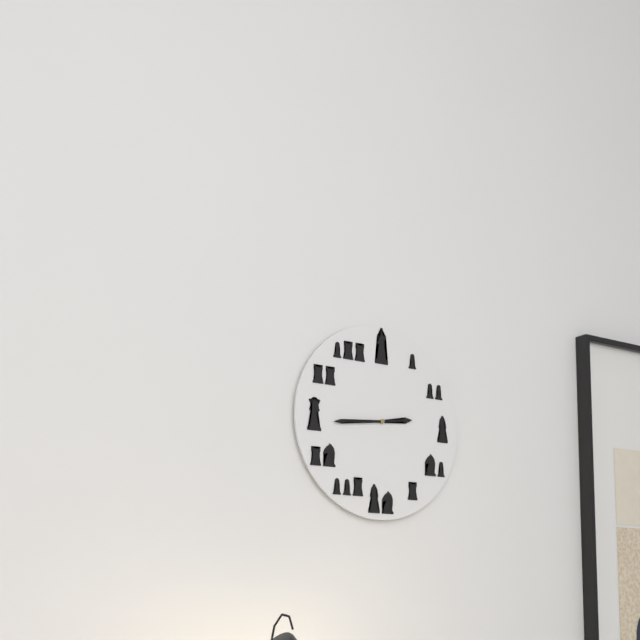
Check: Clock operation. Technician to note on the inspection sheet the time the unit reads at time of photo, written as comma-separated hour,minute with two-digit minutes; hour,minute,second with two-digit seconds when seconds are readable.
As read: 2,44
